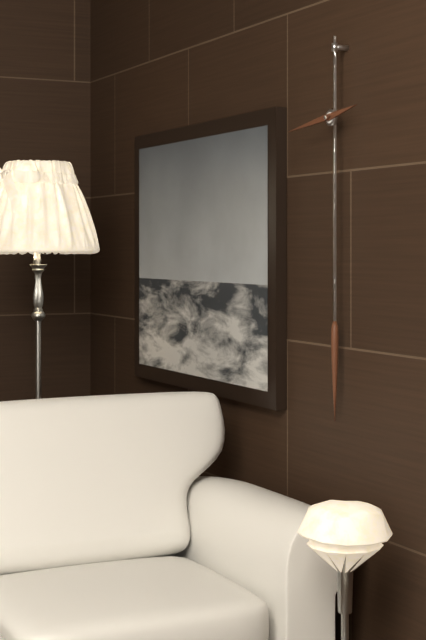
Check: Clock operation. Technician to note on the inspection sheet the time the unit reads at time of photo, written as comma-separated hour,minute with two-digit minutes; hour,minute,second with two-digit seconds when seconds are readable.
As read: 2,44
